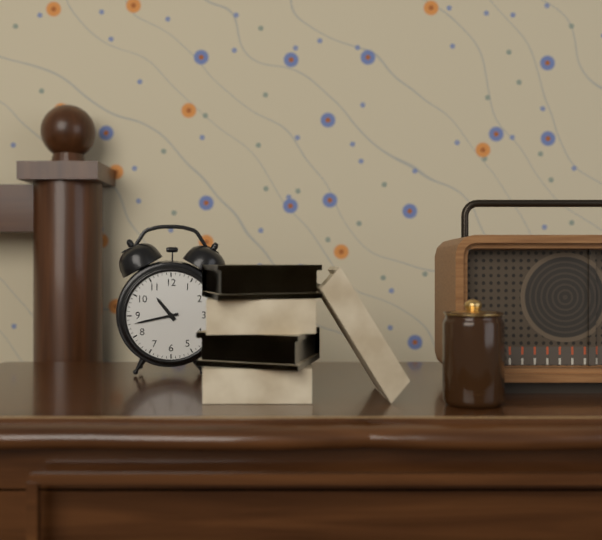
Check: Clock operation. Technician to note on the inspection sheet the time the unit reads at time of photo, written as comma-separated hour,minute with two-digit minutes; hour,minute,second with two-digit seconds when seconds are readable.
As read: 10,43
